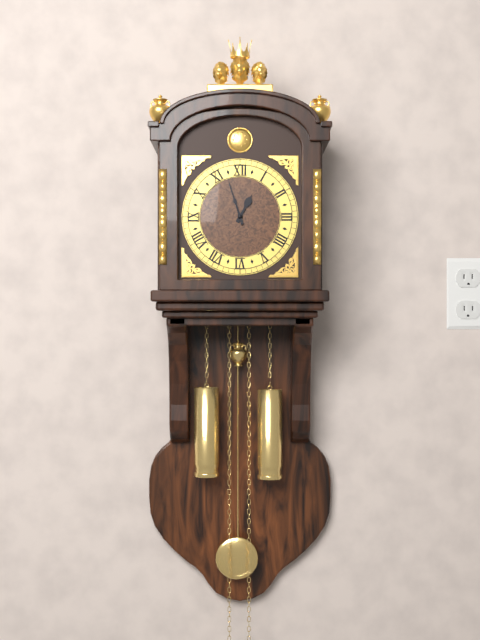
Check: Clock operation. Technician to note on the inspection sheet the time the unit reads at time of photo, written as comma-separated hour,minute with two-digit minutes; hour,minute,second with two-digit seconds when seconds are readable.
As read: 12,57
